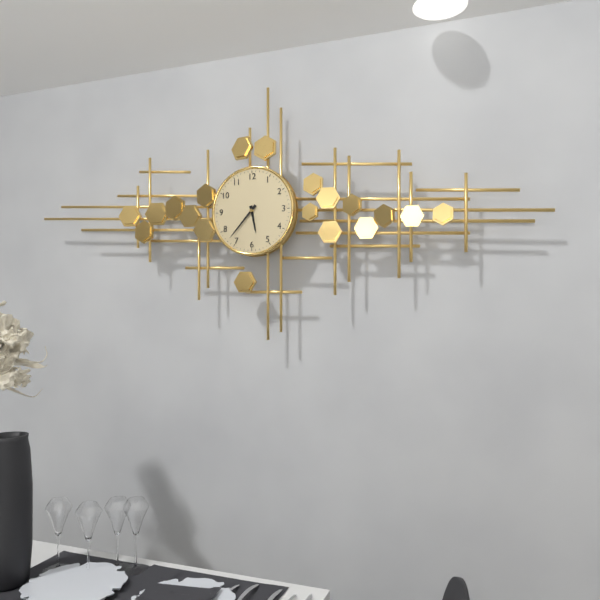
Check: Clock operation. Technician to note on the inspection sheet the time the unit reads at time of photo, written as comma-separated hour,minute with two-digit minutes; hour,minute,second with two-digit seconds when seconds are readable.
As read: 5,37
